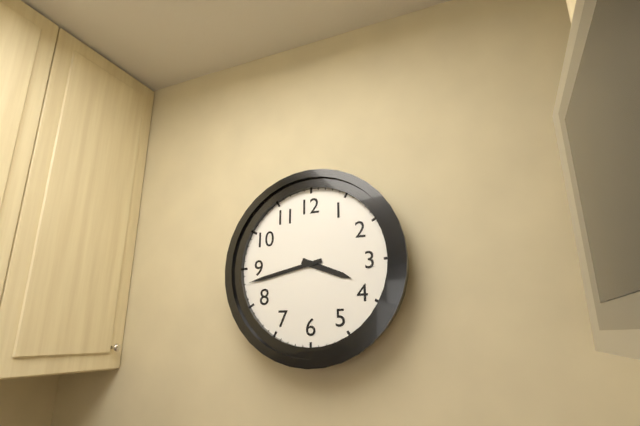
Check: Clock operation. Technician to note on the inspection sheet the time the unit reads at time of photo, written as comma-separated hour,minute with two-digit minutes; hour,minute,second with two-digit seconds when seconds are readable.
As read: 3,43
